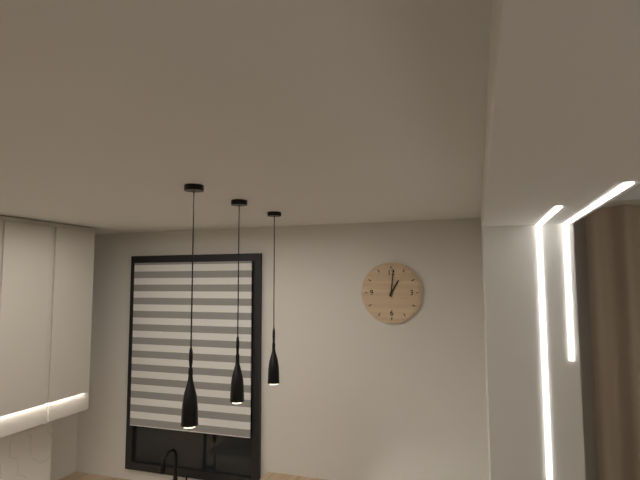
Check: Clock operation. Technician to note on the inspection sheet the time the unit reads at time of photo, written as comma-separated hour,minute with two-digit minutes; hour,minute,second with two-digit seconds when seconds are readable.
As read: 1,01
